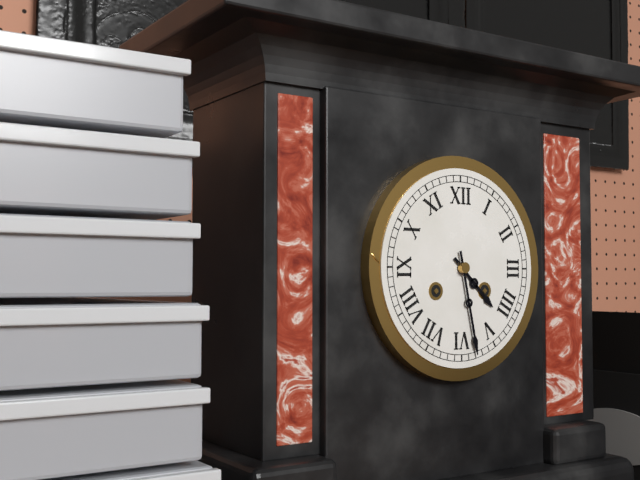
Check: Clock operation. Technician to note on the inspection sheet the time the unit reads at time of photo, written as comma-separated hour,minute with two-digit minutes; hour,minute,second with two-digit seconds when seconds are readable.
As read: 4,28
